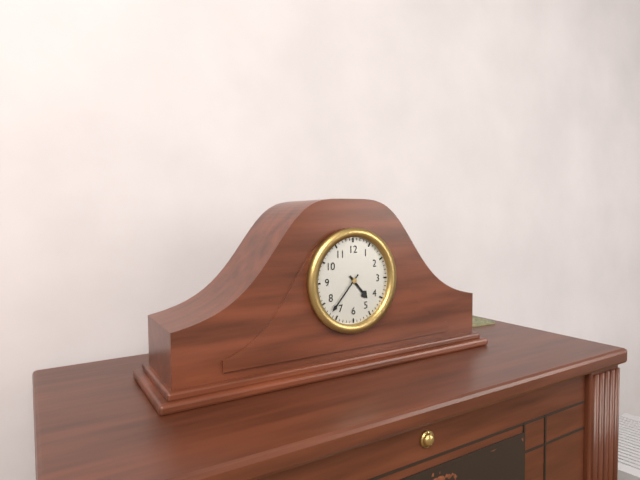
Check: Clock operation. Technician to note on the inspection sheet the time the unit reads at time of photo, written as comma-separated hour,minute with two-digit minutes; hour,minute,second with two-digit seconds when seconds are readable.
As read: 4,37
